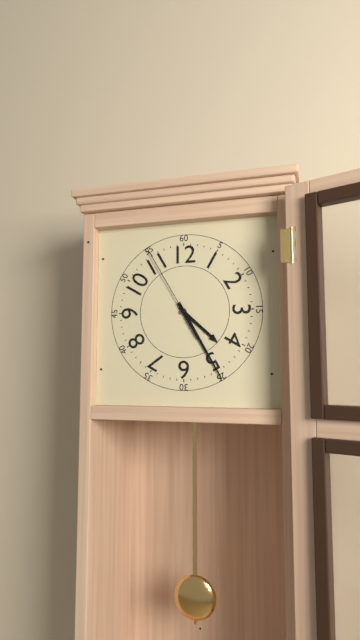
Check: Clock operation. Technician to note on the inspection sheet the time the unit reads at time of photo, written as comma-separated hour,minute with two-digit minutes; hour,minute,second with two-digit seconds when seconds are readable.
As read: 4,25,55
